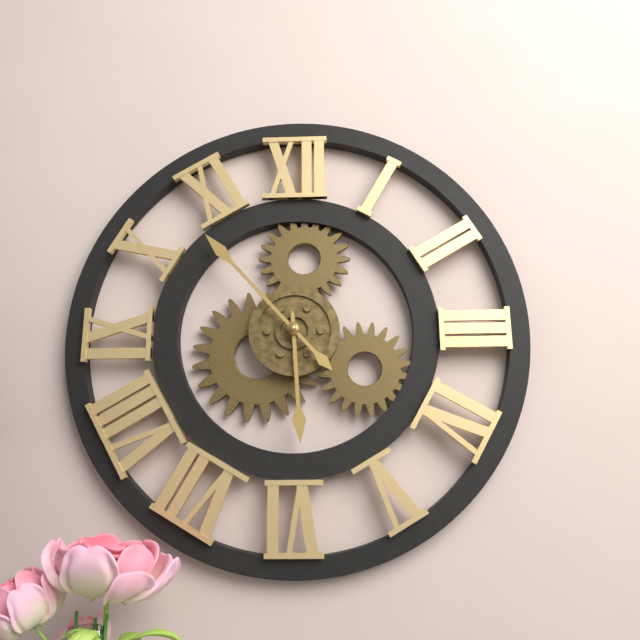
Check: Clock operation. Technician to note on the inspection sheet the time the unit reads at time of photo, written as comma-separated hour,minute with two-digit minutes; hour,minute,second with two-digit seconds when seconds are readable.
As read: 5,53
